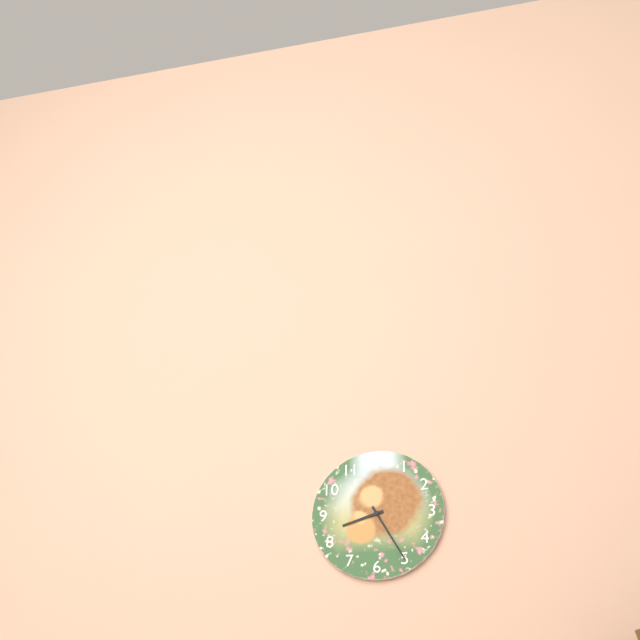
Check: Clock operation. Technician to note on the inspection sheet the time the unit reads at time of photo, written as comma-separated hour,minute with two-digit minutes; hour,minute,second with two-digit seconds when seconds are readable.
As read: 8,25
